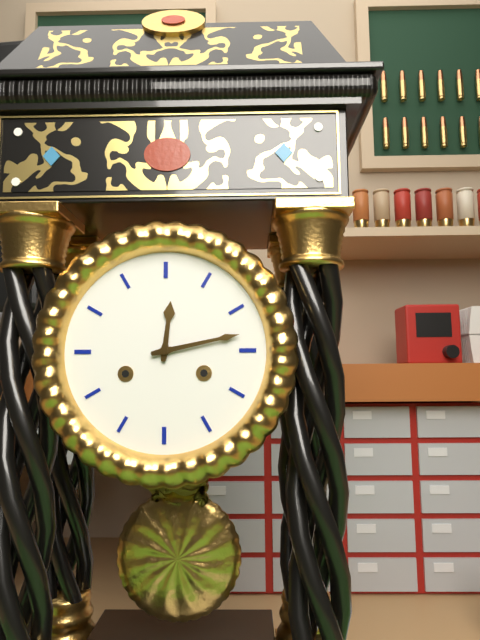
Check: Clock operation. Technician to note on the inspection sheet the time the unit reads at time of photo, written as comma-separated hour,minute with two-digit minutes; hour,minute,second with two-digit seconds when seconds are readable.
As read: 12,13
